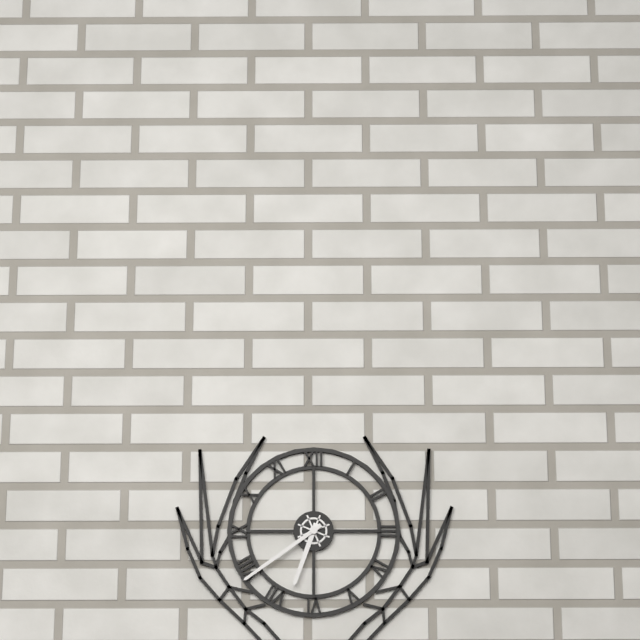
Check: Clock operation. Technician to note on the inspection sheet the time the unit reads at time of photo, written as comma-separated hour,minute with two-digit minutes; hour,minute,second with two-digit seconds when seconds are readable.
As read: 6,39
